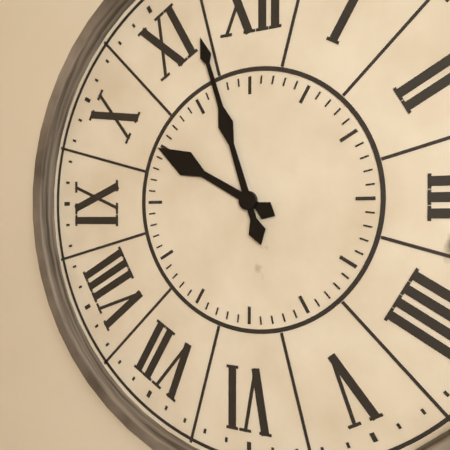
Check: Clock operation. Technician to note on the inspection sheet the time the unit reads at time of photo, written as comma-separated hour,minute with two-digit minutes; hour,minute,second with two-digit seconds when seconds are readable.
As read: 9,57
